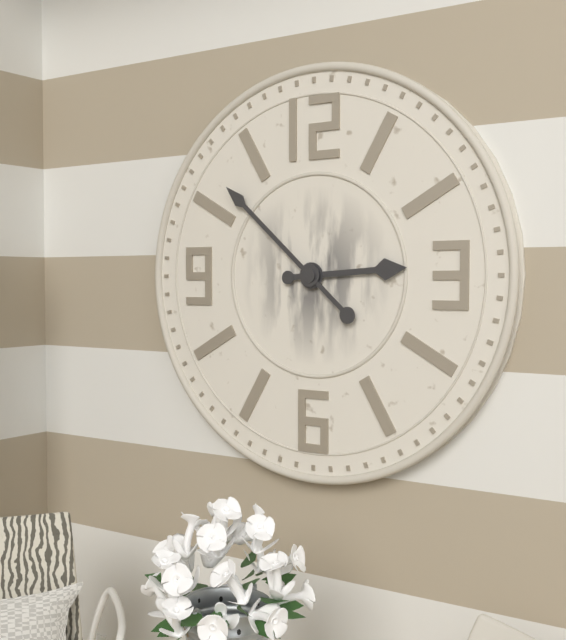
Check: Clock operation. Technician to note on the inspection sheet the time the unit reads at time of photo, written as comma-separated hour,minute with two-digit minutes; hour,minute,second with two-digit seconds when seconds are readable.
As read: 2,52
